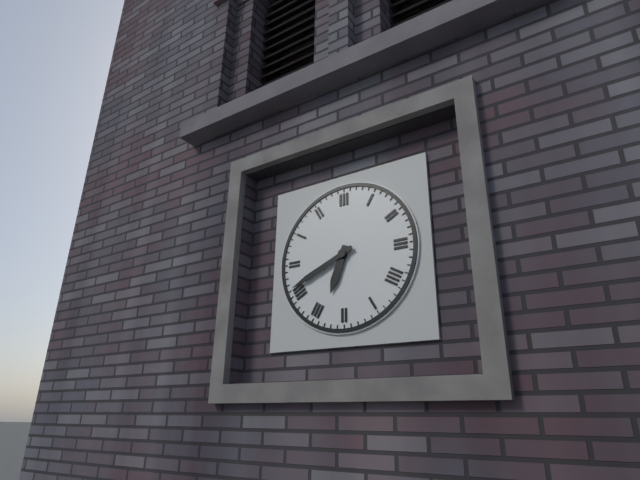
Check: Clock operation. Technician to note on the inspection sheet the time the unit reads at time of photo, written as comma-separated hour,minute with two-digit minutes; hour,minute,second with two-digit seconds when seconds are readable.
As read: 6,41
